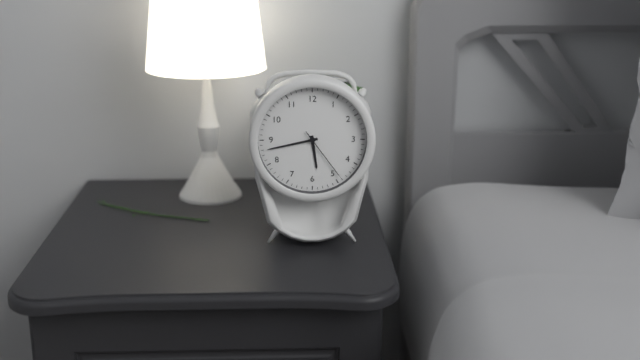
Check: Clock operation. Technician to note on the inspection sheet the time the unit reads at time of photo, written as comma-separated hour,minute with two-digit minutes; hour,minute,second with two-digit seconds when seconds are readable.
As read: 5,43,24
